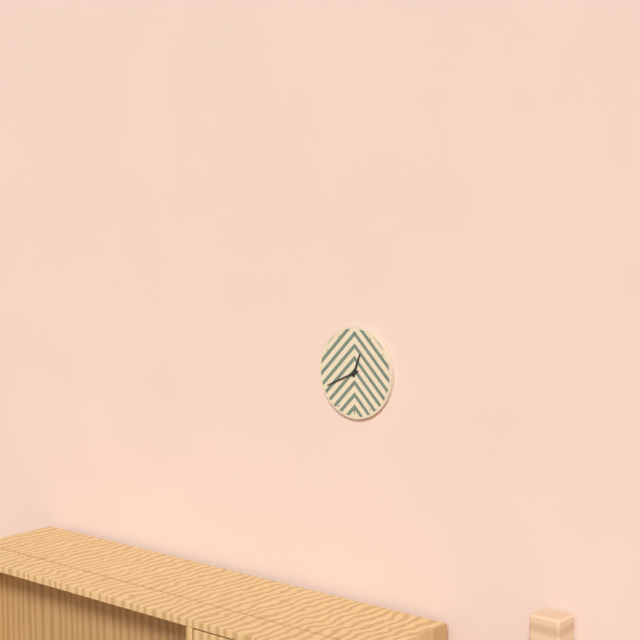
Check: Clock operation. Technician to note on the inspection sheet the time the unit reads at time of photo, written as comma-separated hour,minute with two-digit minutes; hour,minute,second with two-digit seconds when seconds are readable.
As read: 12,41
